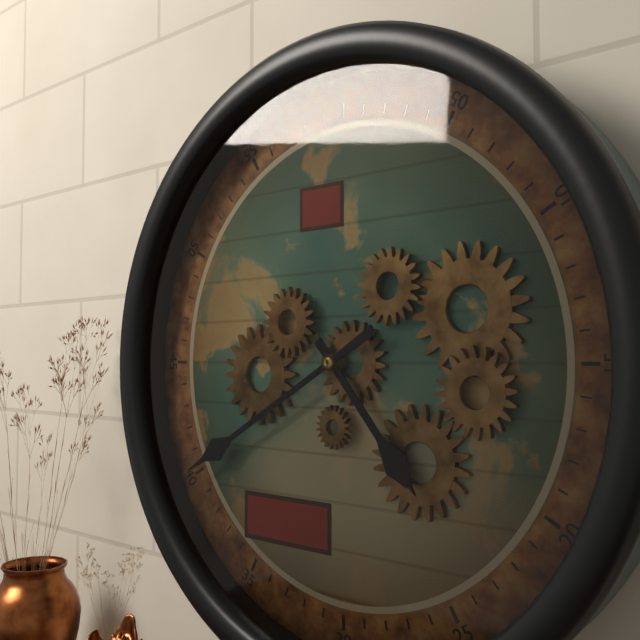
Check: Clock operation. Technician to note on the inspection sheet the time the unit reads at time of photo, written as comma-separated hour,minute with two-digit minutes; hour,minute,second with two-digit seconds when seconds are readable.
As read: 4,40
